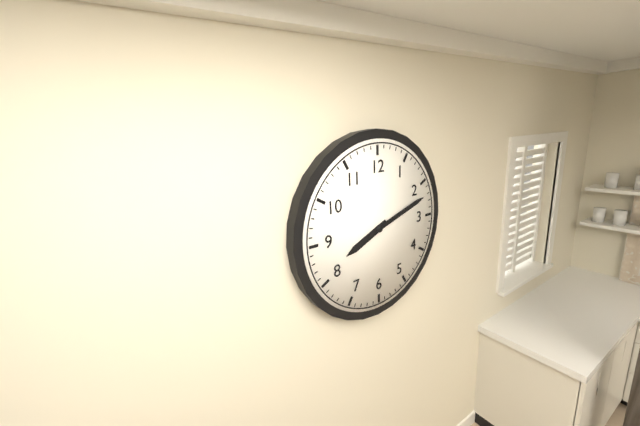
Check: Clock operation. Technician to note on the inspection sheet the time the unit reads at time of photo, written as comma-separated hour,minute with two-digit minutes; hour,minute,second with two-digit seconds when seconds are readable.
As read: 8,12
